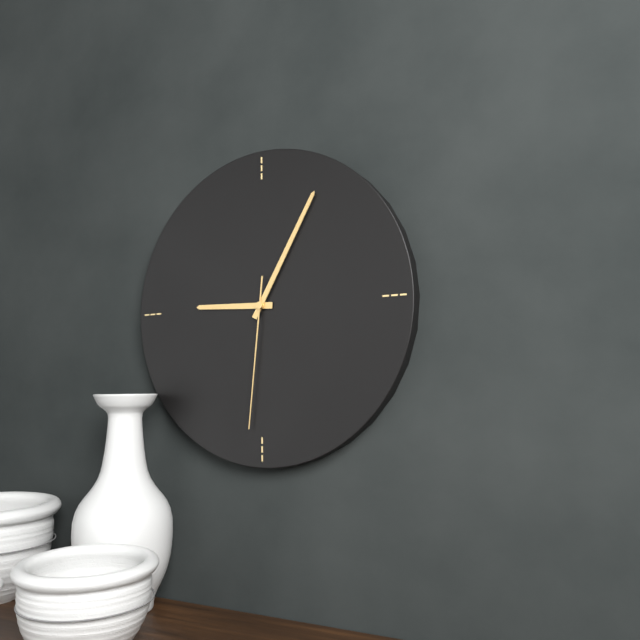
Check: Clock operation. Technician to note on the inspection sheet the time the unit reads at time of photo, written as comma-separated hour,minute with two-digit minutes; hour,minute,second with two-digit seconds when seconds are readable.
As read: 9,05,31
